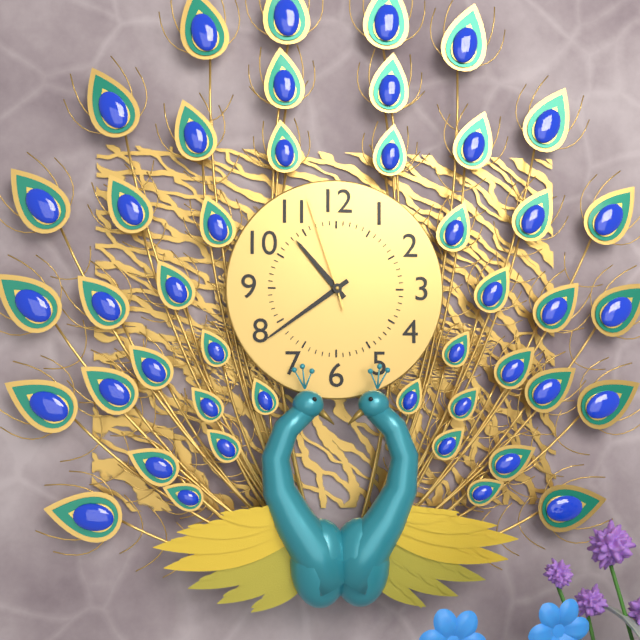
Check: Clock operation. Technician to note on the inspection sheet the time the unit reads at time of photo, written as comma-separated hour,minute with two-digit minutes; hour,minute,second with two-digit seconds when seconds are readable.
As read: 10,39,57
